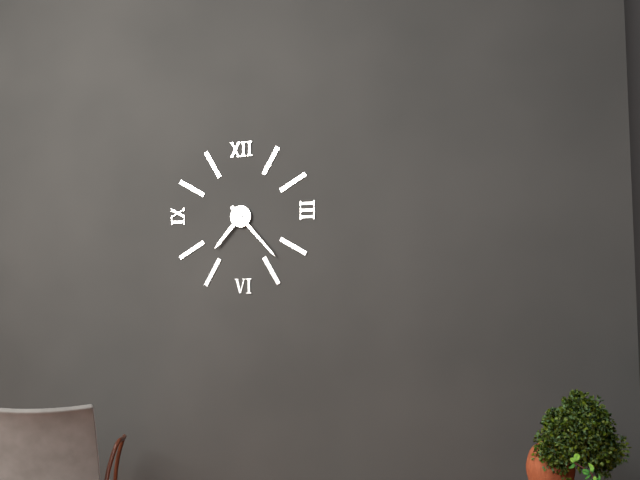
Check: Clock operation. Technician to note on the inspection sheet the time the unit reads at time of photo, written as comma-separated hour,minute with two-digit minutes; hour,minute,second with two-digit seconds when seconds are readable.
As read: 7,23
